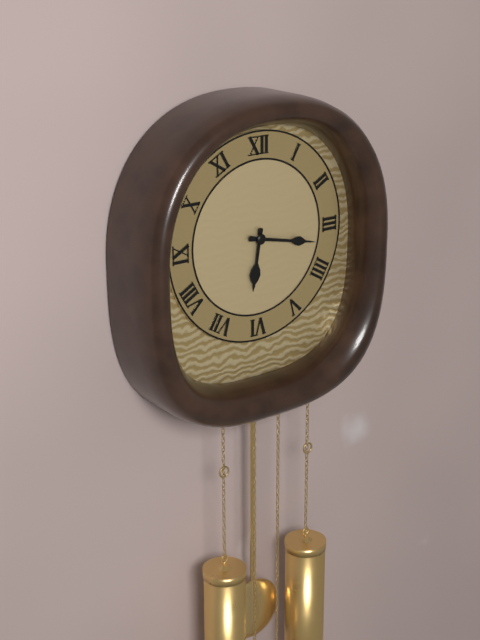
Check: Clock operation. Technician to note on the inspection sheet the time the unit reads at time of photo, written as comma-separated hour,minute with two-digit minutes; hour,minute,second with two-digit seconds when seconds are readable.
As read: 6,17
